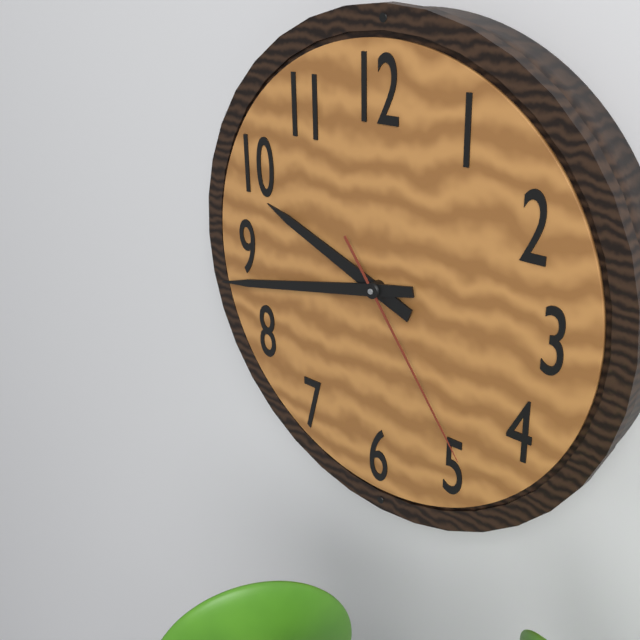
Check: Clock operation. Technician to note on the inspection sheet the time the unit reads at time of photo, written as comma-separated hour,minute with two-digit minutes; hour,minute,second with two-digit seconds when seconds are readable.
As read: 9,43,24
